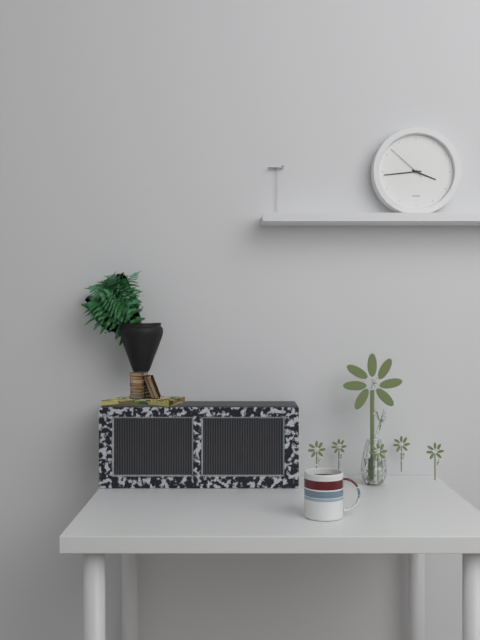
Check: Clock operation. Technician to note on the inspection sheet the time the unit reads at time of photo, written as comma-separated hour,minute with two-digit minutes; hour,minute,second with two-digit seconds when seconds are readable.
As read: 3,44
